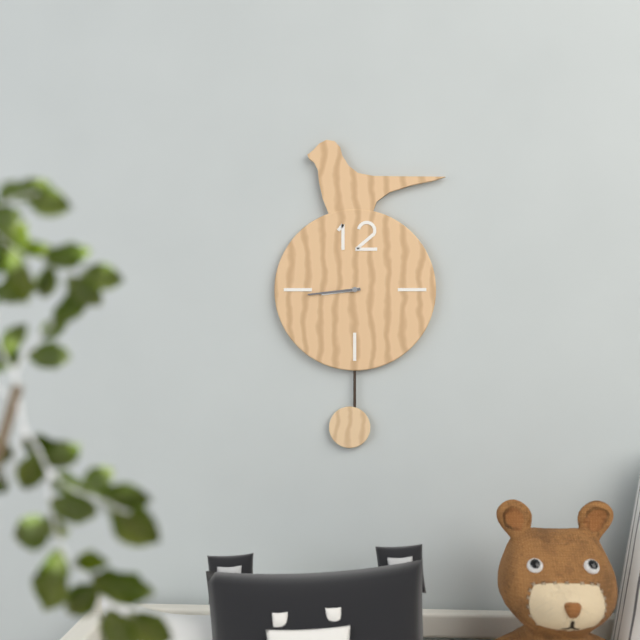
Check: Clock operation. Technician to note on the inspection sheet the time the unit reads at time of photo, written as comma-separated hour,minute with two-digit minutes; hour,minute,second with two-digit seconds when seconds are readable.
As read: 8,44
